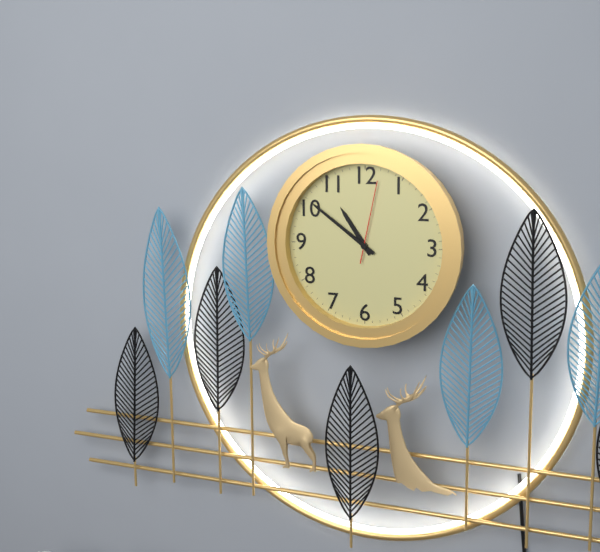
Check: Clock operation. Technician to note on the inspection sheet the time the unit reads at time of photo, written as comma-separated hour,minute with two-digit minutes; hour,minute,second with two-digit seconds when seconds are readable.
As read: 10,51,02
